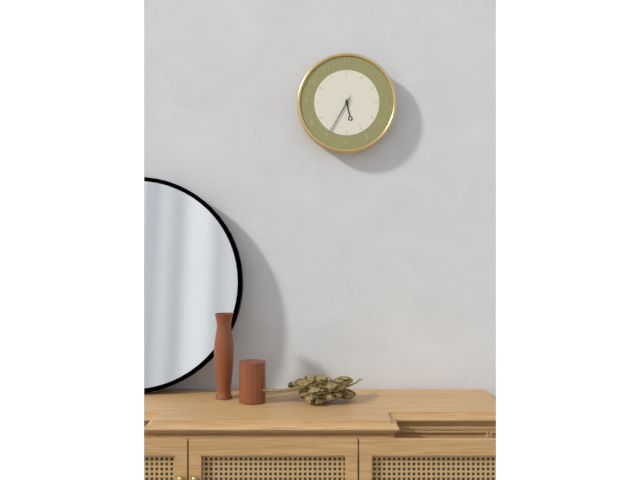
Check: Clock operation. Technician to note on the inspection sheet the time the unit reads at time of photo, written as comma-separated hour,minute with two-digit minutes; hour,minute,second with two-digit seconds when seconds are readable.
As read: 5,35
